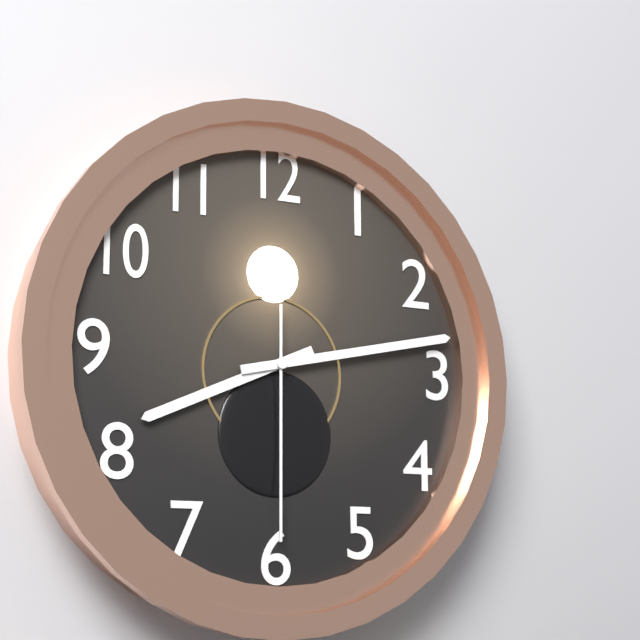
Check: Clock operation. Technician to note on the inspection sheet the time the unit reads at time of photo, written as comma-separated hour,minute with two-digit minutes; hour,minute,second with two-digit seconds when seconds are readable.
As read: 8,13,30
